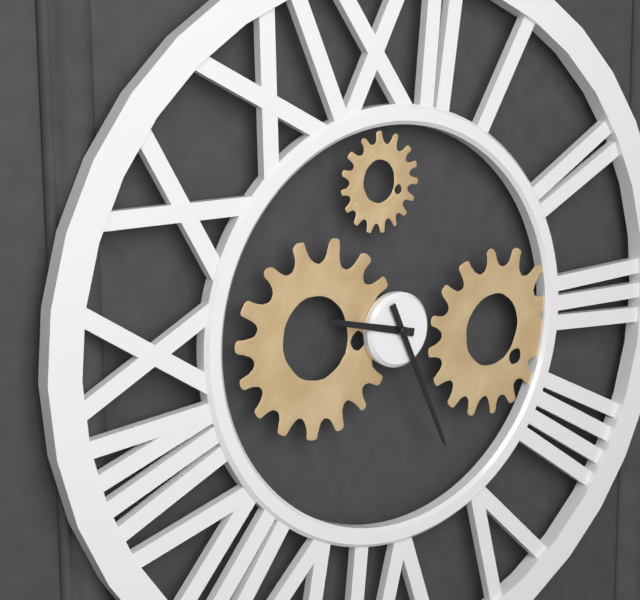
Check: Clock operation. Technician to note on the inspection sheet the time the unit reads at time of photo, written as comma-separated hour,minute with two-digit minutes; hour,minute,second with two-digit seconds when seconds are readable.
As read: 9,26
